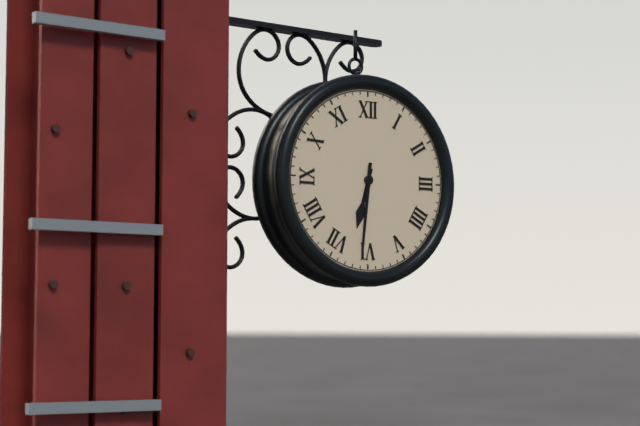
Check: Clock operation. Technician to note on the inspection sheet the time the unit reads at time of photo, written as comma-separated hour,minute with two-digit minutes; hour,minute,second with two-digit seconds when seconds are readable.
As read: 6,31
